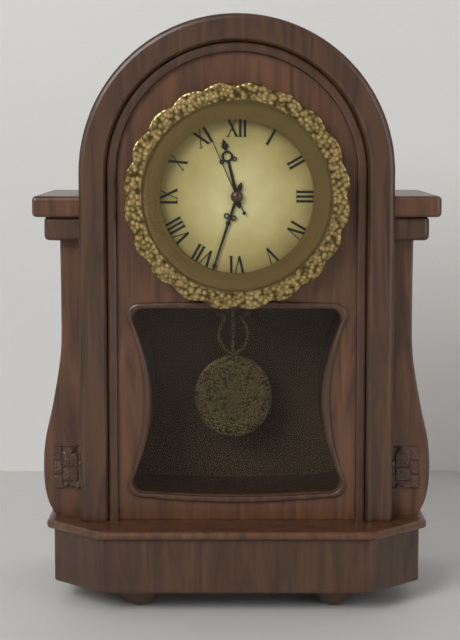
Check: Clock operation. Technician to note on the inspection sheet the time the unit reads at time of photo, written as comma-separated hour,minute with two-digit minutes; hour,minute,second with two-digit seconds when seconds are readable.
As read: 11,33,56
